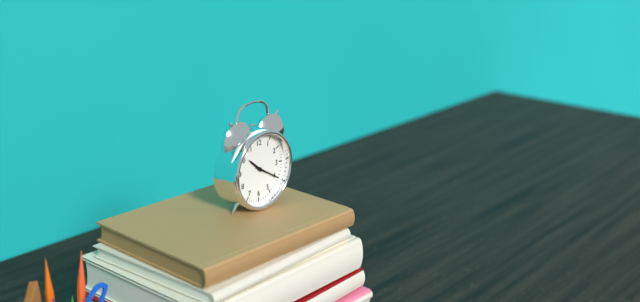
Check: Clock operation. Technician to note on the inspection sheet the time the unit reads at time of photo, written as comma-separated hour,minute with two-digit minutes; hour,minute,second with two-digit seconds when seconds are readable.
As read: 10,20
